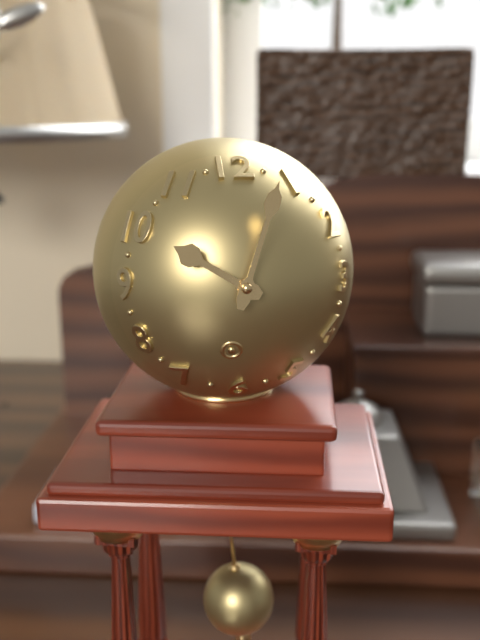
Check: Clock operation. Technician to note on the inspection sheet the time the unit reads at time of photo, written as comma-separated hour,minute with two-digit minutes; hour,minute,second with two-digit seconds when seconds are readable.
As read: 10,03
